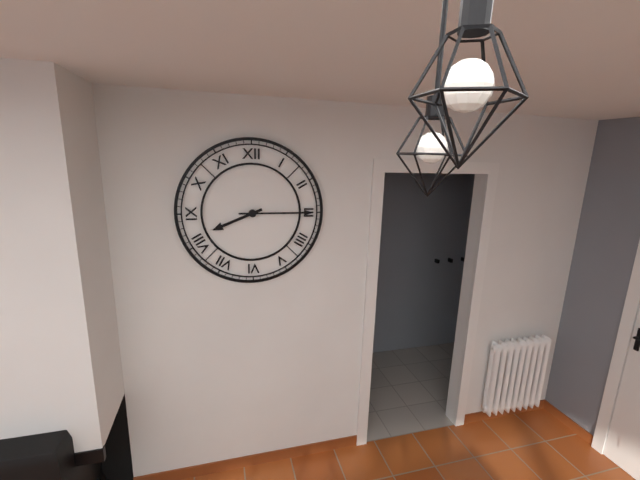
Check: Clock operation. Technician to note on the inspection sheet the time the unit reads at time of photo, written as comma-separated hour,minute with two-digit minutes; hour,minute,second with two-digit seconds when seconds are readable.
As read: 8,15
